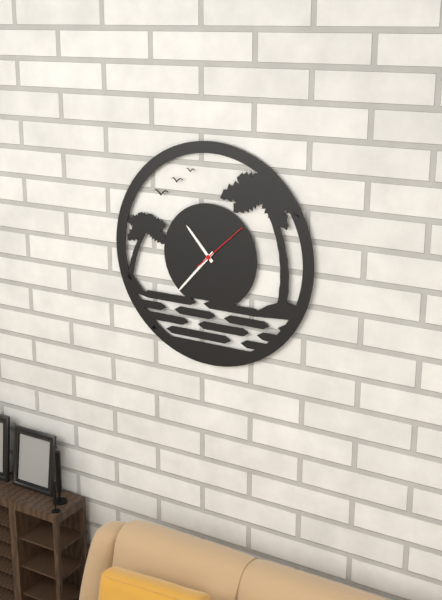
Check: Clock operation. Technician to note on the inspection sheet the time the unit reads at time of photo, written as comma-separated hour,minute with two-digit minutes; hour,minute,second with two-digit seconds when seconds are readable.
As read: 10,37,08
